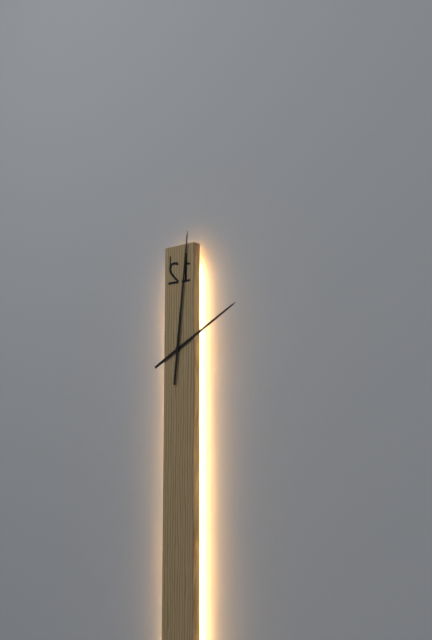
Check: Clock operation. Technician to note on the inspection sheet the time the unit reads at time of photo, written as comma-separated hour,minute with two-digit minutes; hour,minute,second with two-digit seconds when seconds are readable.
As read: 2,01
